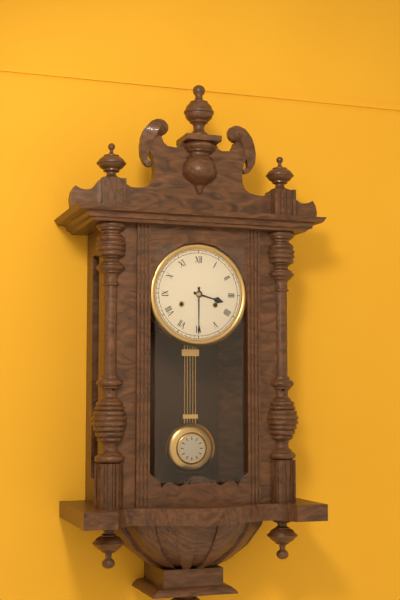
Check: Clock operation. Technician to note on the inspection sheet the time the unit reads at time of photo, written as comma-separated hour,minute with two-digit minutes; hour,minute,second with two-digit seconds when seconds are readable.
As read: 3,30
